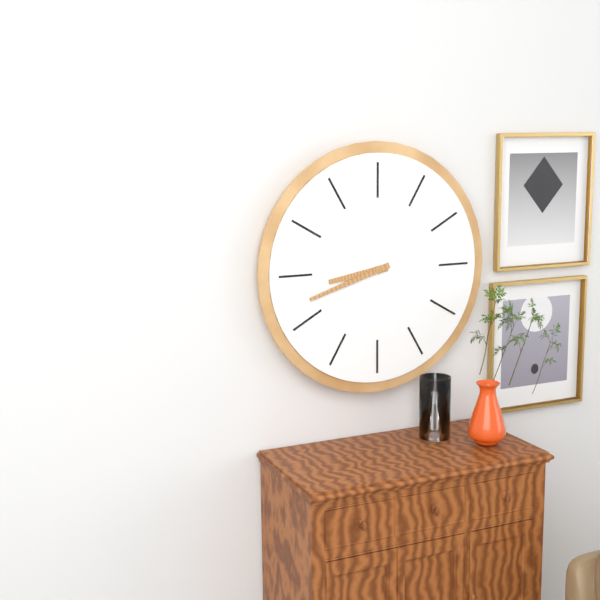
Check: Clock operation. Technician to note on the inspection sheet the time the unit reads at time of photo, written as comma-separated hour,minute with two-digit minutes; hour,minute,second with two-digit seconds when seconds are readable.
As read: 8,42
